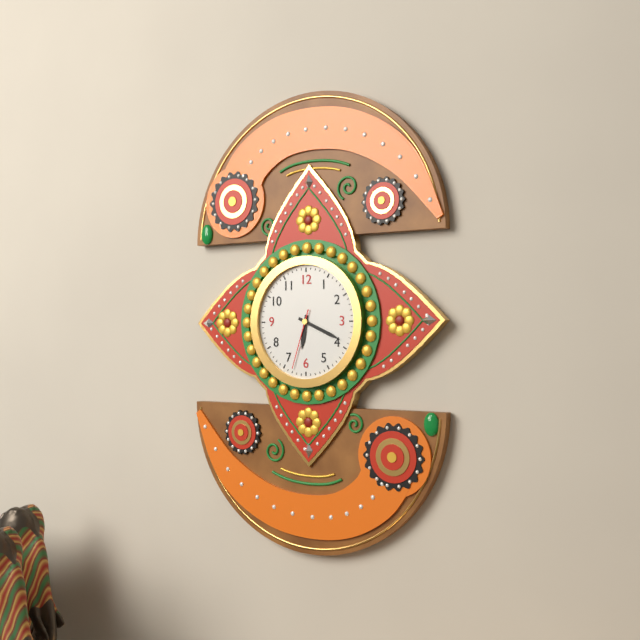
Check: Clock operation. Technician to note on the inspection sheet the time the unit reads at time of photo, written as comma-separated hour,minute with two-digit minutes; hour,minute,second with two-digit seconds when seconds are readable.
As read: 6,19,33
